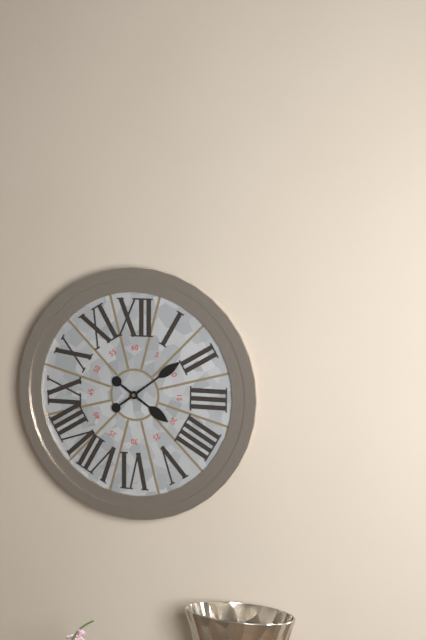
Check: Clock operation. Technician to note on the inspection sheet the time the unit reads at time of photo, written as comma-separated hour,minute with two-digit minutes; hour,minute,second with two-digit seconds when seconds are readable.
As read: 4,09
